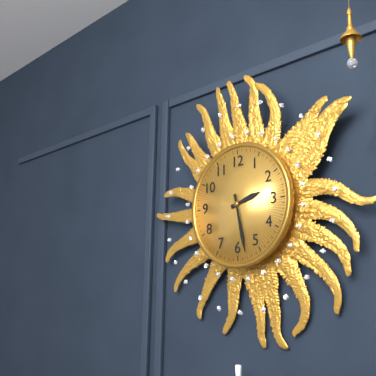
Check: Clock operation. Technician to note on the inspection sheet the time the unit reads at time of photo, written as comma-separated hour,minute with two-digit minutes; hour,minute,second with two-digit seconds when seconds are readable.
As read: 2,28
